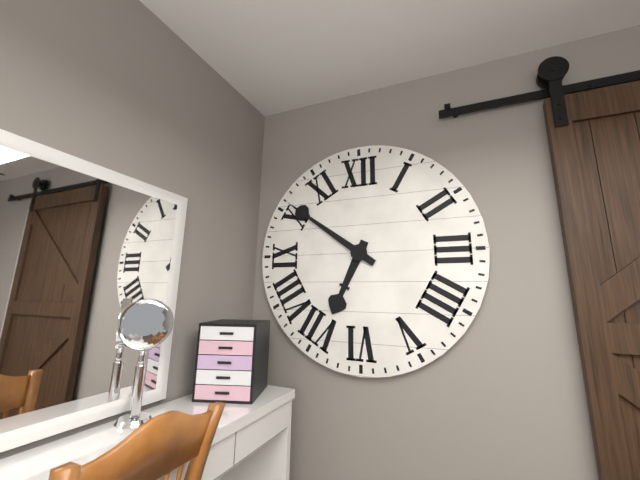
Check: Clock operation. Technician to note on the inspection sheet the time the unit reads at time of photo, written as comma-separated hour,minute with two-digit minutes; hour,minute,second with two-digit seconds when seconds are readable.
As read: 6,51
